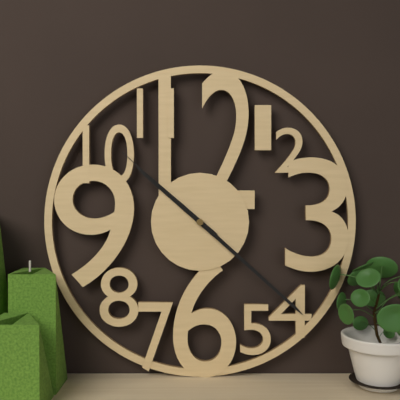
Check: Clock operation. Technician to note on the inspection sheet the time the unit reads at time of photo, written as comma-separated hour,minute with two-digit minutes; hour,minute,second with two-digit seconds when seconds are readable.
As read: 10,22,52
